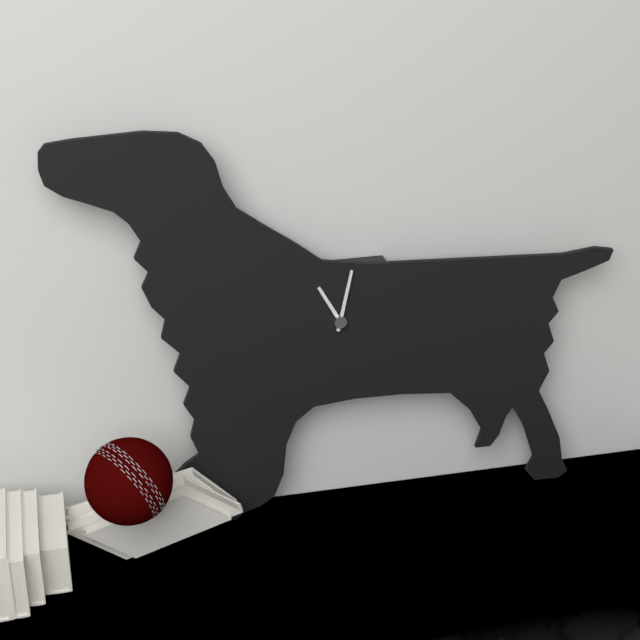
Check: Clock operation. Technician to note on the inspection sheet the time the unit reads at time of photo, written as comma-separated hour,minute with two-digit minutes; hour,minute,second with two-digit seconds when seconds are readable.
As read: 11,02
